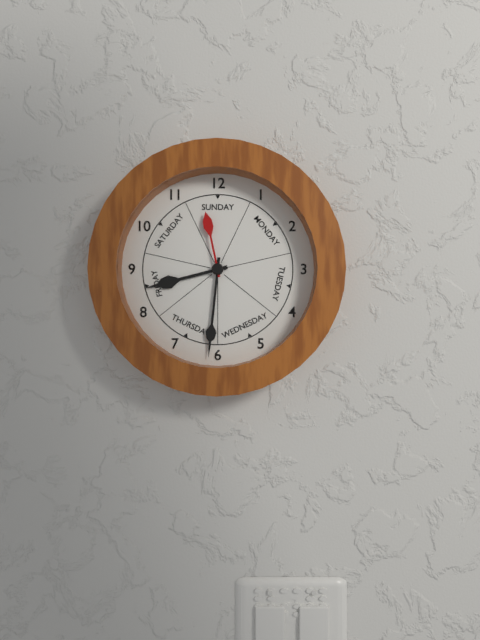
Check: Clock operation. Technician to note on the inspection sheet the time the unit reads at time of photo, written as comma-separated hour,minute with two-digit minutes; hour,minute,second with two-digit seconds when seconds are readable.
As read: 8,31,58
